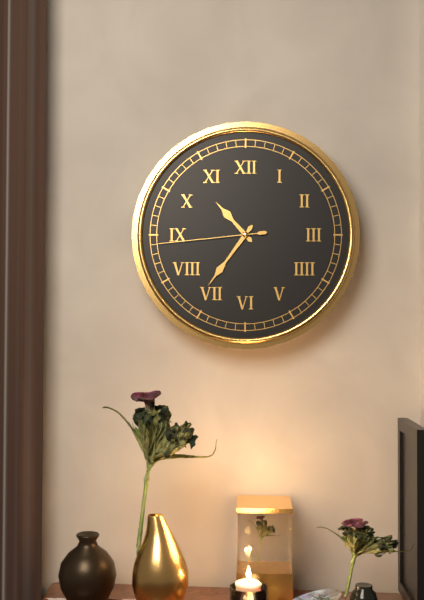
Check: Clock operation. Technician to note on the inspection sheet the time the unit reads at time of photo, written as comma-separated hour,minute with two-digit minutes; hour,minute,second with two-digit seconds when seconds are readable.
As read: 10,36,44
